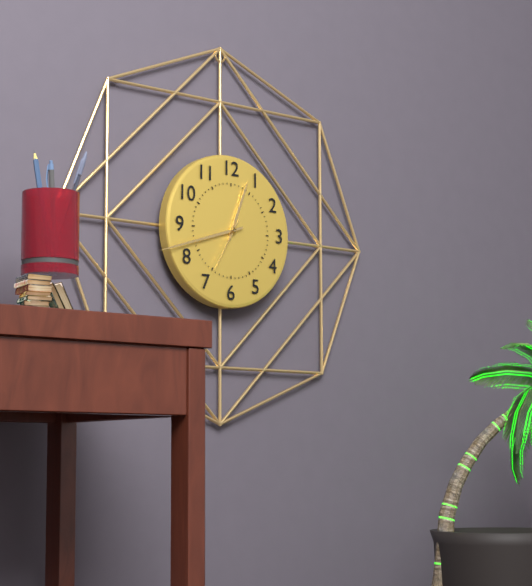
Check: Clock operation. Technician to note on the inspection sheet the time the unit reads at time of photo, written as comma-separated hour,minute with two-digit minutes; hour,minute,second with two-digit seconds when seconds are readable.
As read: 12,42,35
